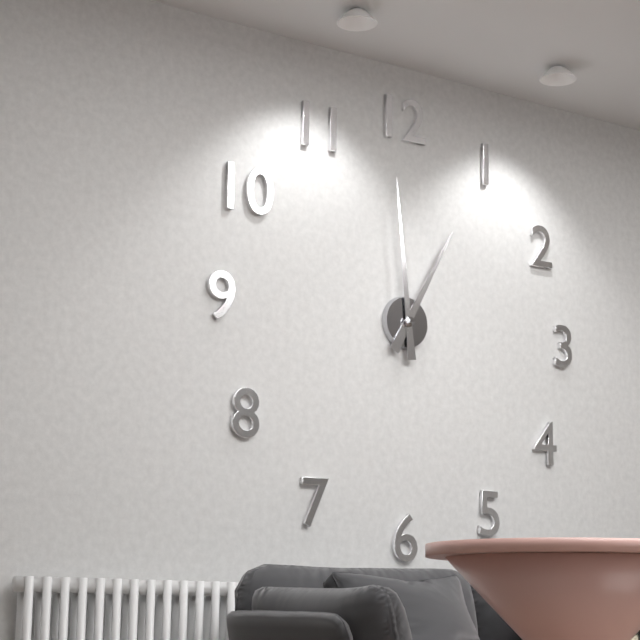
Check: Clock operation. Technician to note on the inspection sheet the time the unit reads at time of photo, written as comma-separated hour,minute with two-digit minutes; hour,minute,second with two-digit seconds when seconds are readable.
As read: 12,59
